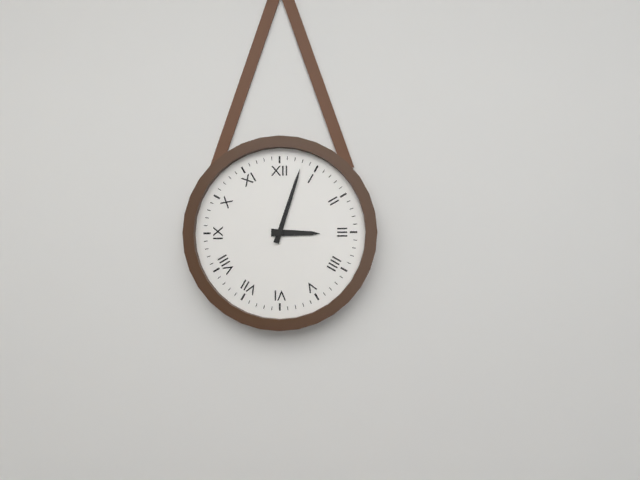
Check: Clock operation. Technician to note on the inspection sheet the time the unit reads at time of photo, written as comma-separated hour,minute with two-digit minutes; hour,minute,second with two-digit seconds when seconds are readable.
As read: 3,03
